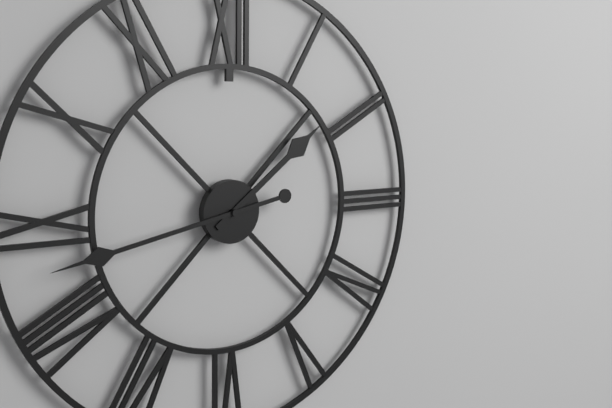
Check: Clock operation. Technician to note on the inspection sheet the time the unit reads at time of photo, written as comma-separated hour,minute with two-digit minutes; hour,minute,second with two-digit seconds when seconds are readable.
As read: 1,43
